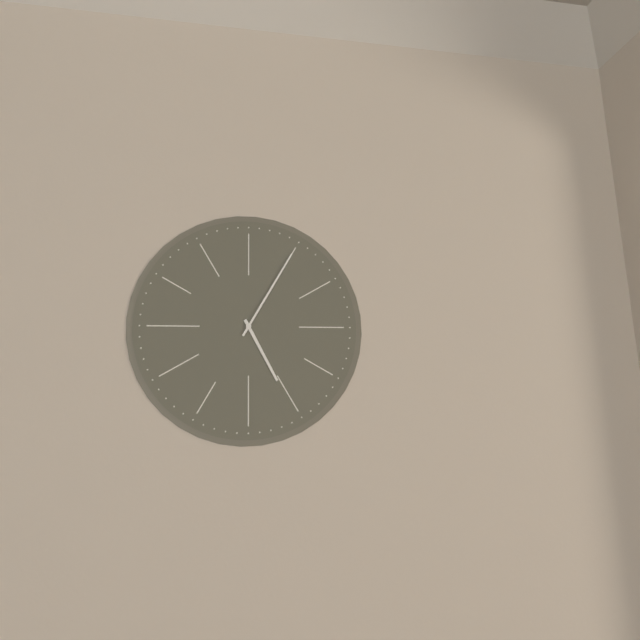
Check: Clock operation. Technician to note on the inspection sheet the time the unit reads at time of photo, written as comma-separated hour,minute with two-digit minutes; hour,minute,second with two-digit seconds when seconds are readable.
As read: 5,05
